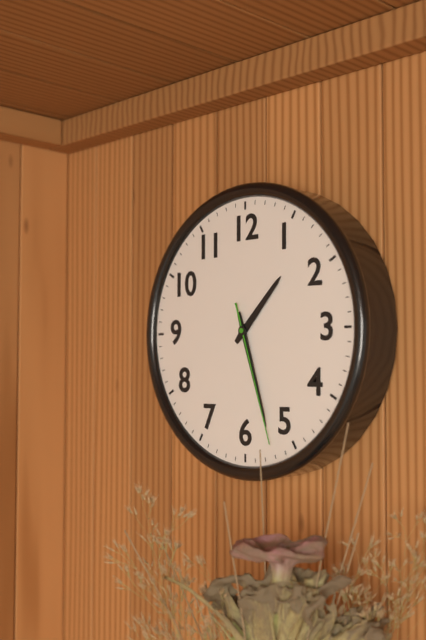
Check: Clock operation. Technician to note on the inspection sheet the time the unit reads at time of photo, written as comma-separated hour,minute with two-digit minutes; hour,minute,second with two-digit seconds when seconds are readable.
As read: 1,27,27
